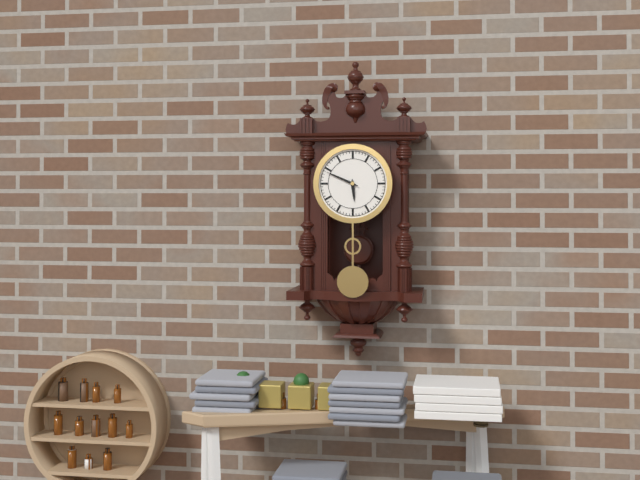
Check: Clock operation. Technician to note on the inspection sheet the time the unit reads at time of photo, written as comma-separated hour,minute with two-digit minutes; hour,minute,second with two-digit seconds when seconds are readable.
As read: 5,49
